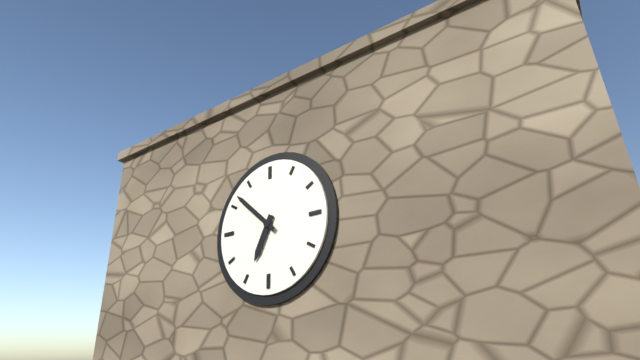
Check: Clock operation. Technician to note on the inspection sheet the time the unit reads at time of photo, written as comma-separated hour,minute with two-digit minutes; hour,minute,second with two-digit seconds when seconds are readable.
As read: 6,52
